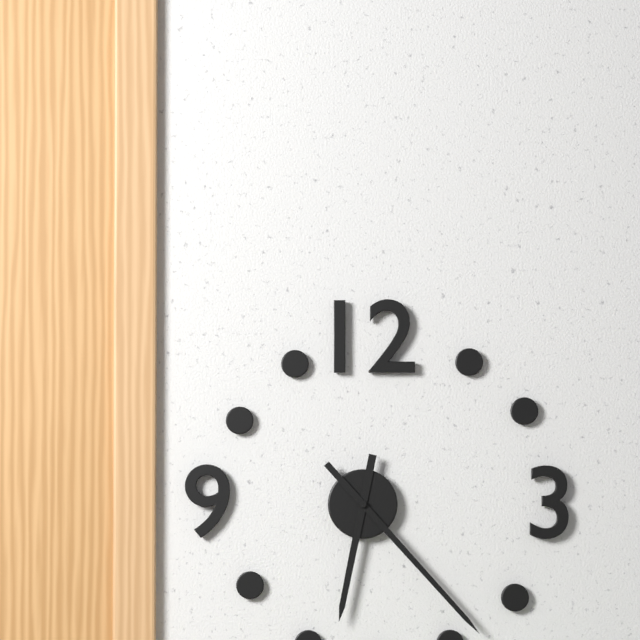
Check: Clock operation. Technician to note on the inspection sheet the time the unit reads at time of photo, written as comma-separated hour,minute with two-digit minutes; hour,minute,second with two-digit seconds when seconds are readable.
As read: 6,23
